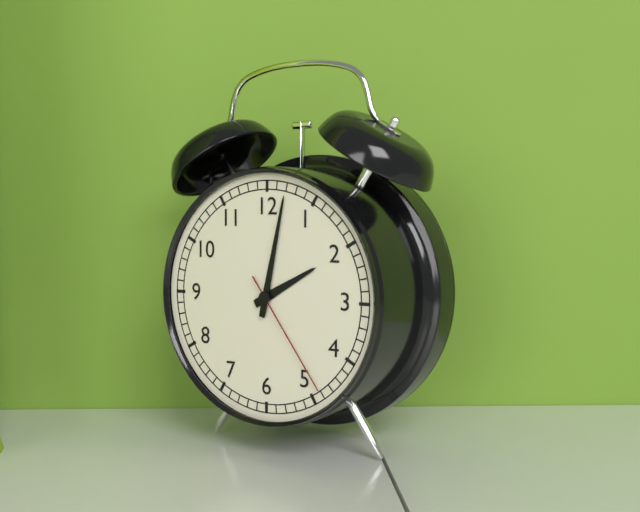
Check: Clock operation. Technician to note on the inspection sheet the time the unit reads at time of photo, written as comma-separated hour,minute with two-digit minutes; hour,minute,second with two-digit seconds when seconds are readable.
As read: 2,02,24
